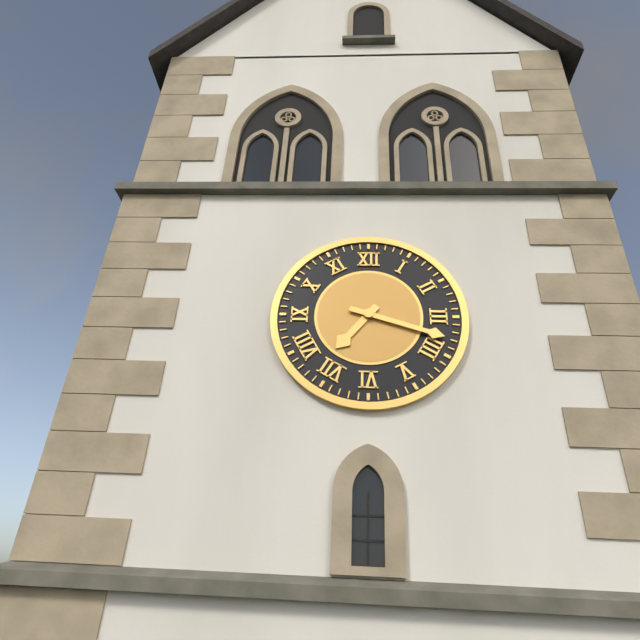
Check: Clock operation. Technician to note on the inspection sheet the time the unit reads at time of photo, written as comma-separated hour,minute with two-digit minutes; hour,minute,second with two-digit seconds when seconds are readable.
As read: 7,18
